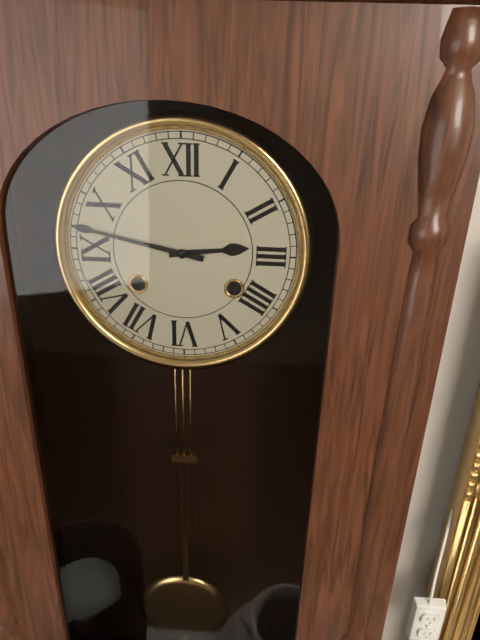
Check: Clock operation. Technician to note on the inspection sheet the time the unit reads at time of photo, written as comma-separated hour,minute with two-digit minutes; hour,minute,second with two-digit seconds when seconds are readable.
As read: 2,47
